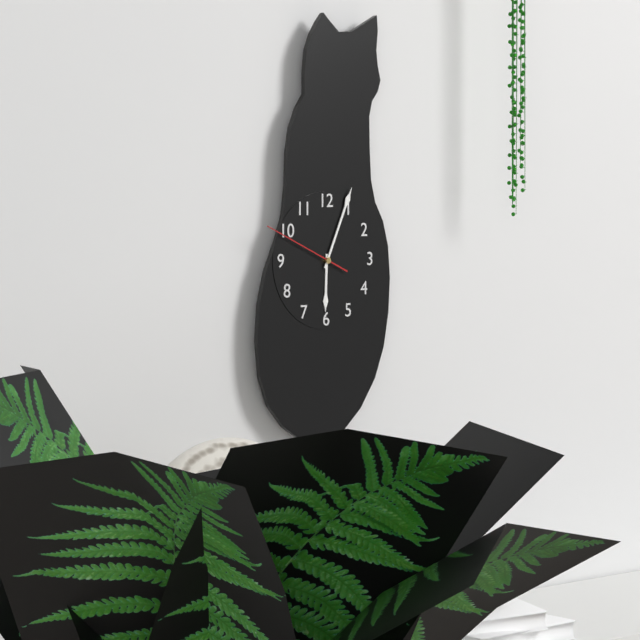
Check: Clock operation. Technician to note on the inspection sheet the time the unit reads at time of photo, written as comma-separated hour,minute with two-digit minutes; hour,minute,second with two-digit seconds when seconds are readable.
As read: 6,04,49
